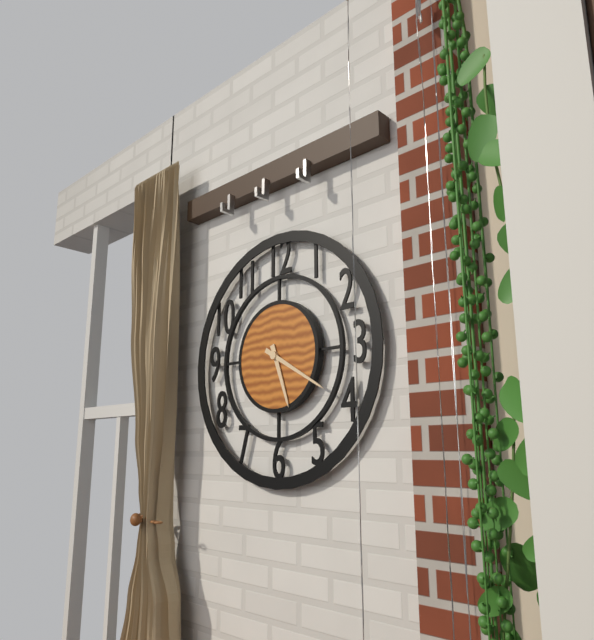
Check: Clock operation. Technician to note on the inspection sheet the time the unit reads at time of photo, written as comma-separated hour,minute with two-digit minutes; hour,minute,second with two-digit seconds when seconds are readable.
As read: 5,20
